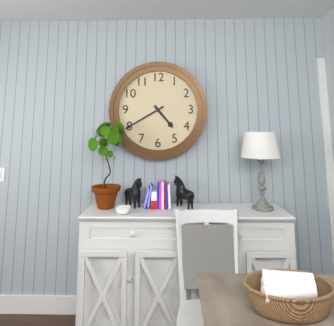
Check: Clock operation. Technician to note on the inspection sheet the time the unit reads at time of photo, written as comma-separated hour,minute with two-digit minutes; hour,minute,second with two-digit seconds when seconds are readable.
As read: 4,40
